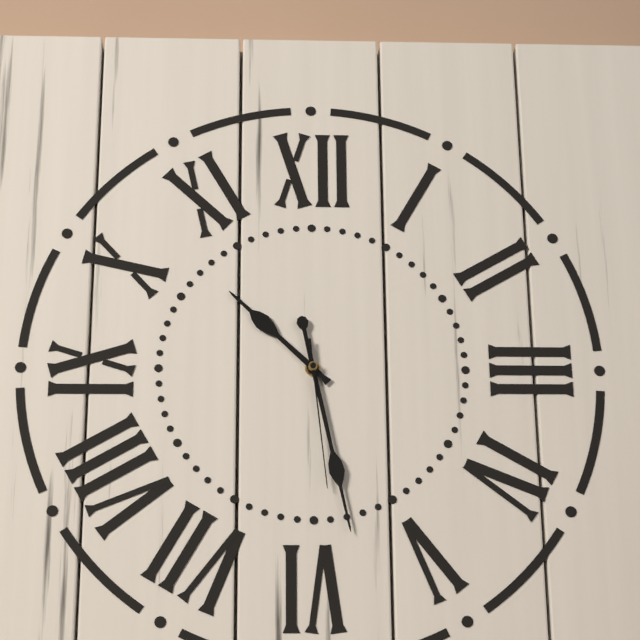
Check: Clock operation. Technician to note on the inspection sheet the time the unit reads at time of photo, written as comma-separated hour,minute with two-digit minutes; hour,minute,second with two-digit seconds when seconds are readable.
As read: 10,28,29
